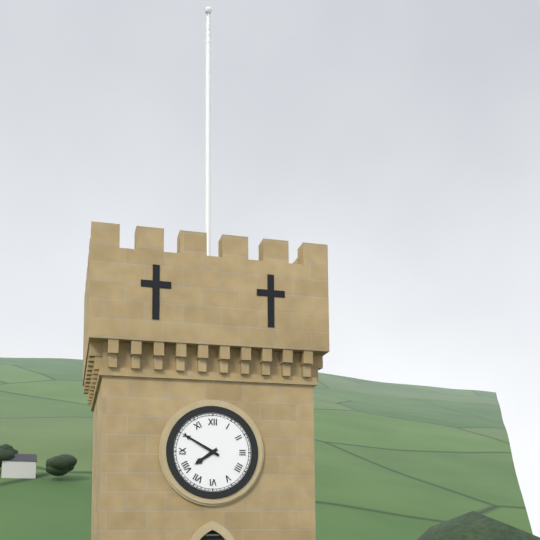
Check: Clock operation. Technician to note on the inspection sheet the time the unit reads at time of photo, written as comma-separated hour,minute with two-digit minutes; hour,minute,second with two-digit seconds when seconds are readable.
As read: 7,50
